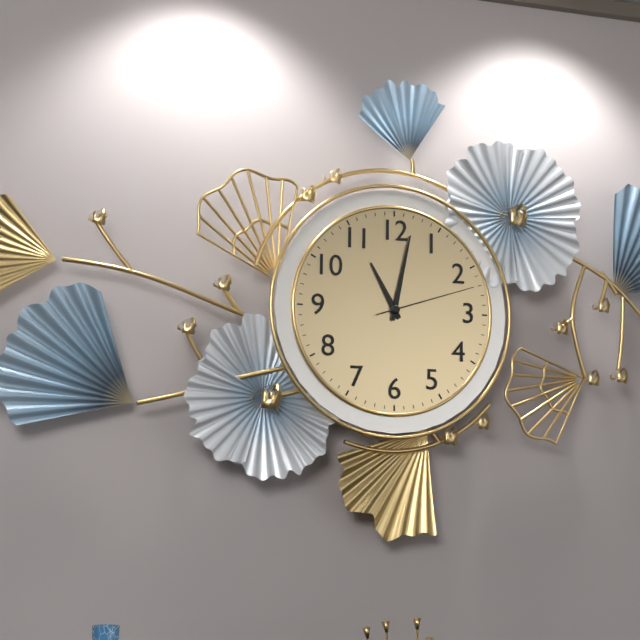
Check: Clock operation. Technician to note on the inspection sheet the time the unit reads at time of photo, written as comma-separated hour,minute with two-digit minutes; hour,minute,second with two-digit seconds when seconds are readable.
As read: 11,02,12
